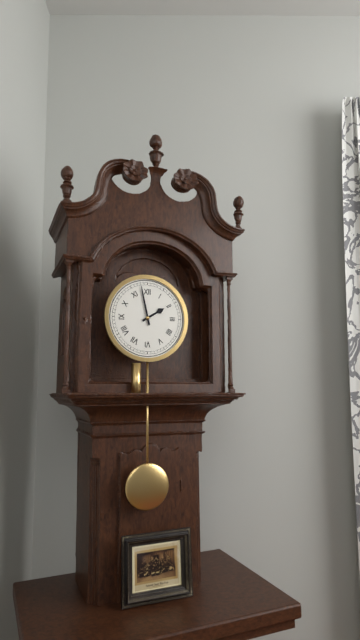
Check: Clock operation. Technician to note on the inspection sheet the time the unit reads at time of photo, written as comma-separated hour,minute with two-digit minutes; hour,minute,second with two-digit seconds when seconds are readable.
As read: 1,58
